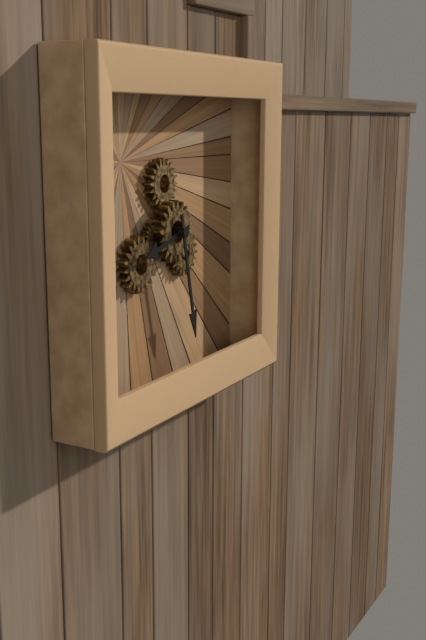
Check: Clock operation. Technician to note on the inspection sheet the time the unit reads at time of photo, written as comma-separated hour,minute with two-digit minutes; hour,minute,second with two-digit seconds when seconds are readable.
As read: 8,28
